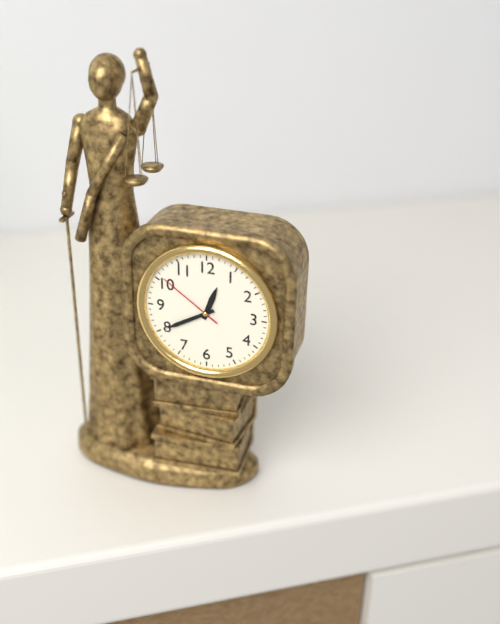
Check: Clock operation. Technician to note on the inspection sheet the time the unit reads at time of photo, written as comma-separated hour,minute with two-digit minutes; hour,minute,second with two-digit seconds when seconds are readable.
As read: 12,40,51
